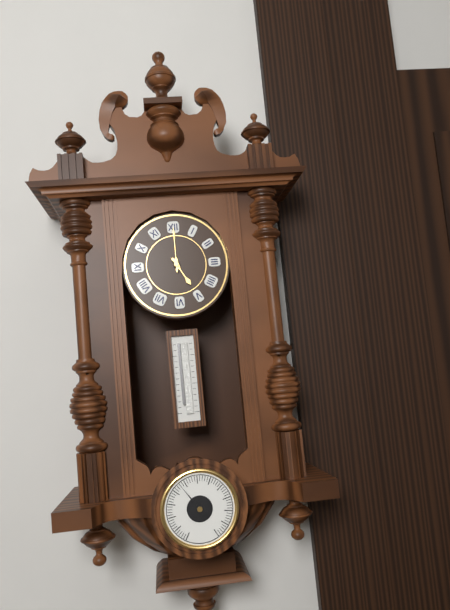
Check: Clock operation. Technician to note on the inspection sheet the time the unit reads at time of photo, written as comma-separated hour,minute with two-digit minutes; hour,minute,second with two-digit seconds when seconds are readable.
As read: 5,00
